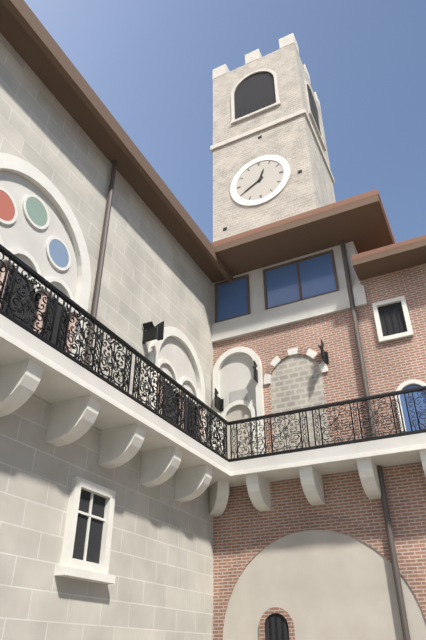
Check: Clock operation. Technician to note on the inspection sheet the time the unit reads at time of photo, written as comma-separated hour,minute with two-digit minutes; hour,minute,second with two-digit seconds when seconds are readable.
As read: 12,40
